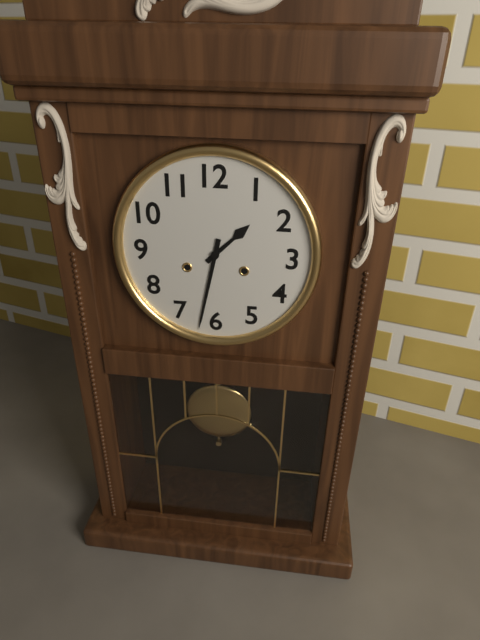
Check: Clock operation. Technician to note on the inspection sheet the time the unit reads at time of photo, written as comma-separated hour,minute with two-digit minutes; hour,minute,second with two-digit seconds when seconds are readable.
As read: 1,32
